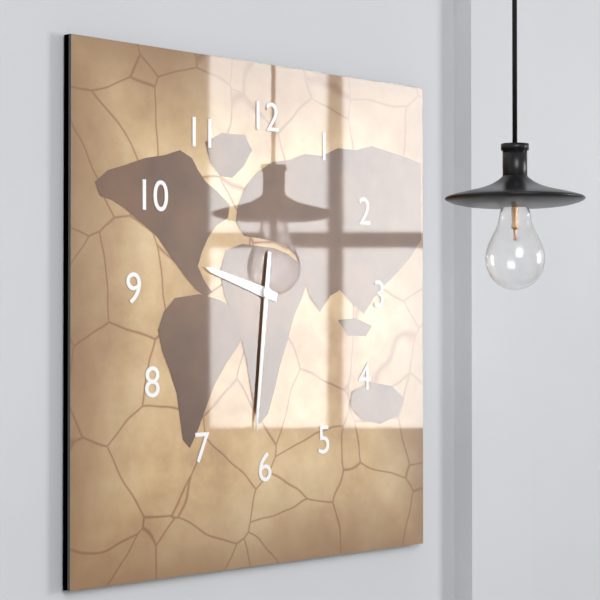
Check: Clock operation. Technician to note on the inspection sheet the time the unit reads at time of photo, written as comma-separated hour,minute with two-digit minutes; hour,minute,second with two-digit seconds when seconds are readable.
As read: 9,31
